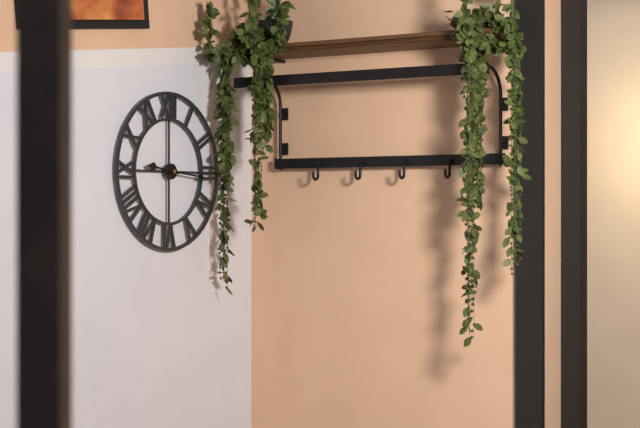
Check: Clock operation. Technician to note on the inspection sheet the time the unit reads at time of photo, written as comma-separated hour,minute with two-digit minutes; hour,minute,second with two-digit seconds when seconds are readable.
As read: 9,16
